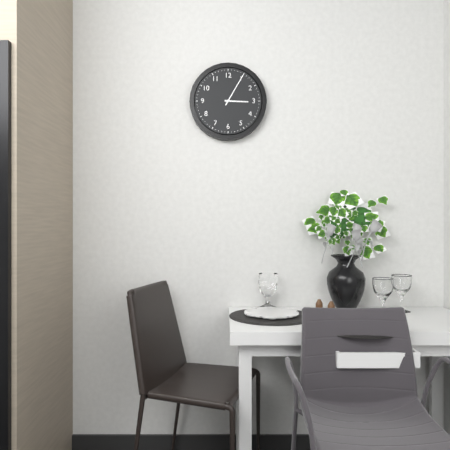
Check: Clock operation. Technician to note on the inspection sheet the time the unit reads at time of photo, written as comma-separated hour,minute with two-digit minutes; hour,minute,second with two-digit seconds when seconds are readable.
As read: 3,05
